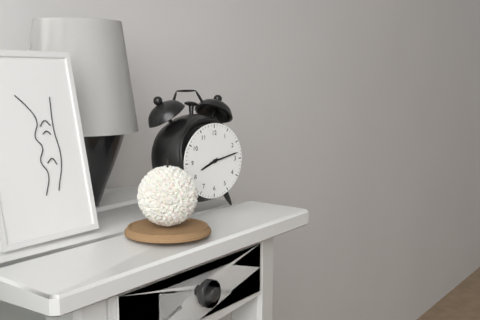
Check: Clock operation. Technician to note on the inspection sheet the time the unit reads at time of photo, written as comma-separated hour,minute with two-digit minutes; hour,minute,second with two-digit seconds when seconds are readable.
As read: 8,13
